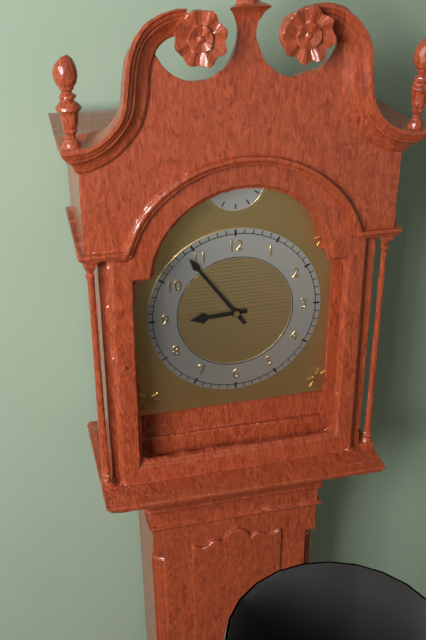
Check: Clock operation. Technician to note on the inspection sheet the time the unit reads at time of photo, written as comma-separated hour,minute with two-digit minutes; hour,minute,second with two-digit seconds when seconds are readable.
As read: 8,54
